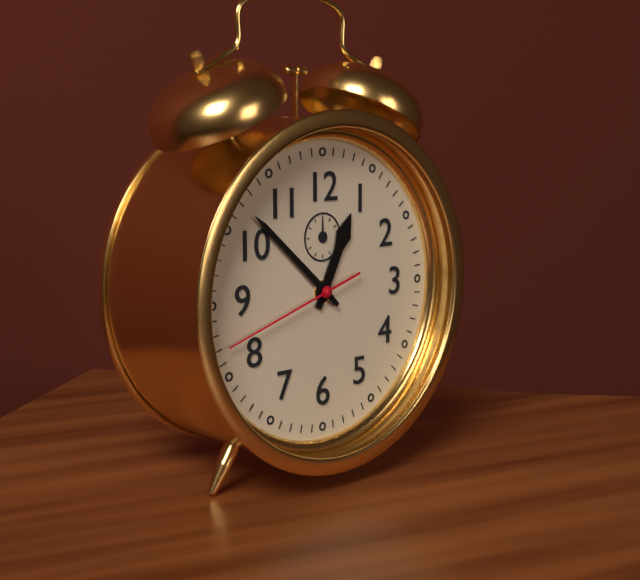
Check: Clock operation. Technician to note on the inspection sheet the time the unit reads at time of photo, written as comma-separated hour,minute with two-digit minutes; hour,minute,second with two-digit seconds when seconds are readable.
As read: 12,52,42
